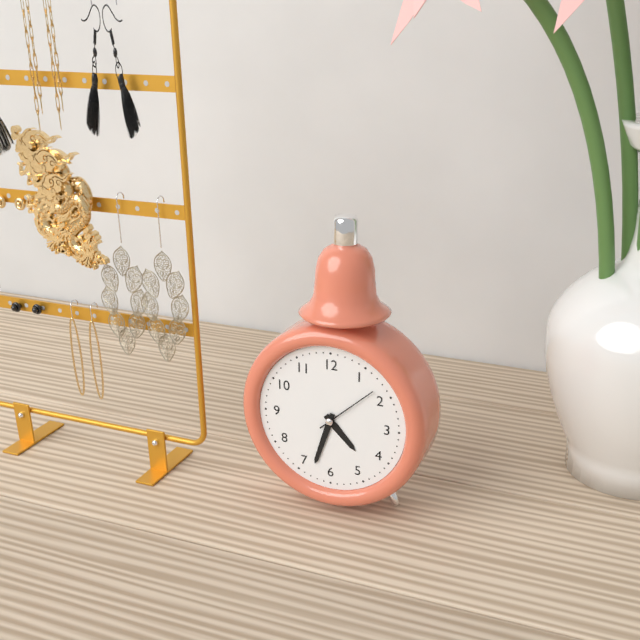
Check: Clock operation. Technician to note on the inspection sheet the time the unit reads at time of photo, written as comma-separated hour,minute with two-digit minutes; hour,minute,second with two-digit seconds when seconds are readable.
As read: 4,33,08
